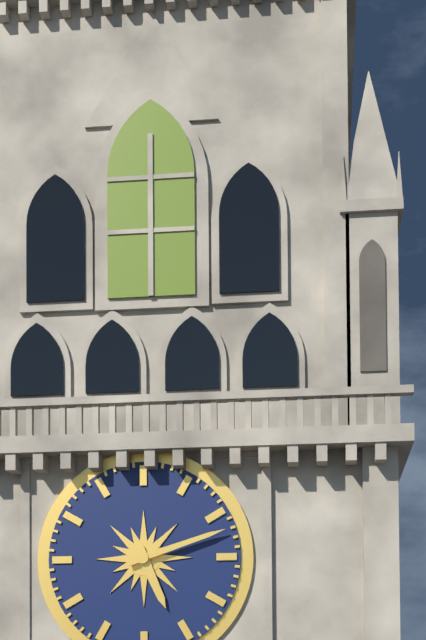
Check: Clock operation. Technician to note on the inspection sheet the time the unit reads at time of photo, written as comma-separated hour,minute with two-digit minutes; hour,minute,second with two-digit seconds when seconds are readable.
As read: 5,12
